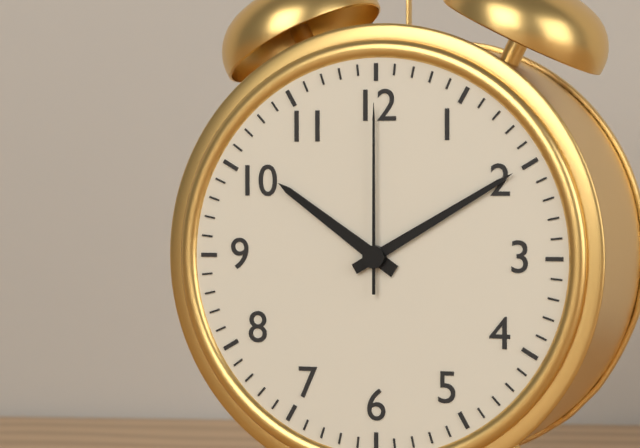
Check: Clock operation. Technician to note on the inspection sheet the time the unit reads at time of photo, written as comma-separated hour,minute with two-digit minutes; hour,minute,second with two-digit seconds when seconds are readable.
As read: 10,10,00
